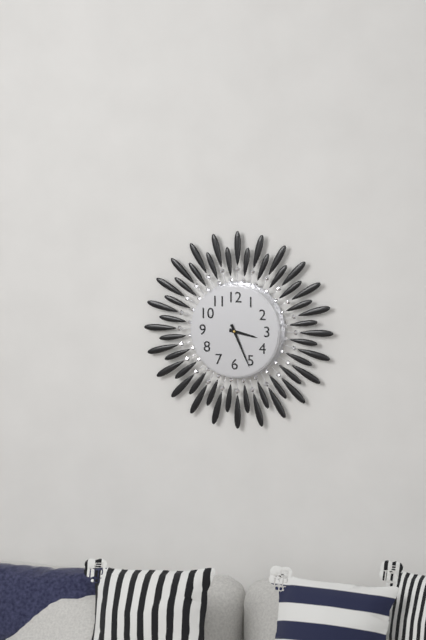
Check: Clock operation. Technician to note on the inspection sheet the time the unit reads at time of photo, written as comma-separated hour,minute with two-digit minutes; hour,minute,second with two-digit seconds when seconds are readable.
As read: 3,26
